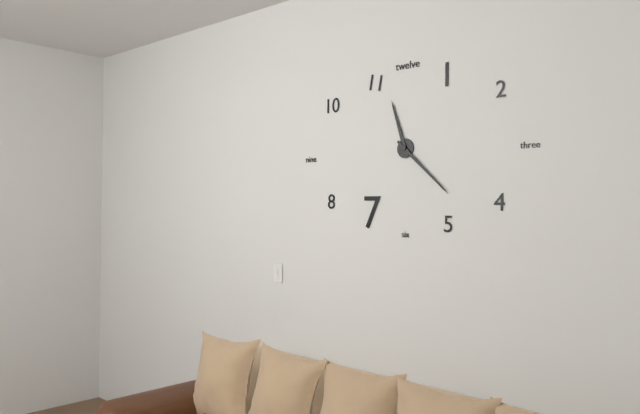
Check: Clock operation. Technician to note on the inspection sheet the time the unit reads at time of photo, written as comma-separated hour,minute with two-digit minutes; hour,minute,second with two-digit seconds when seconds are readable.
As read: 11,22
